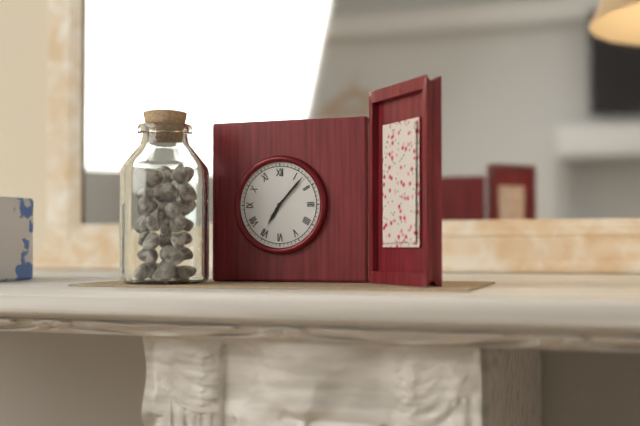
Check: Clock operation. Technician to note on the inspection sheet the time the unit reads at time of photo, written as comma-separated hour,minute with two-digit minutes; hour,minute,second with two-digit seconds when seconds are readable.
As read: 7,07
